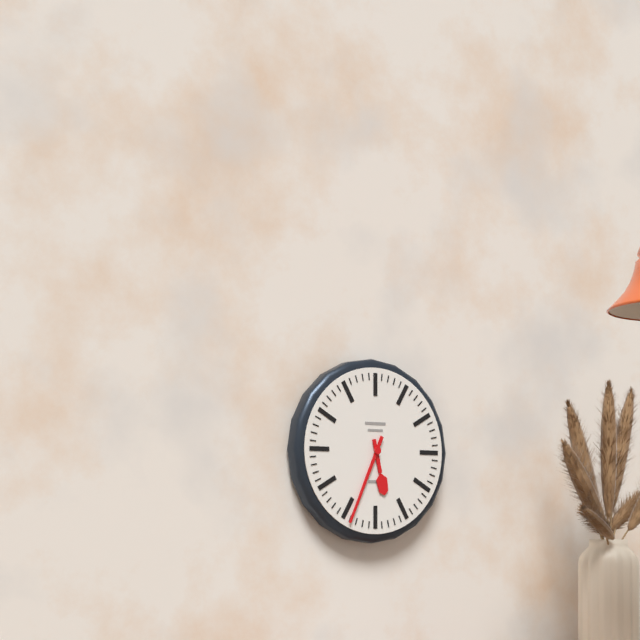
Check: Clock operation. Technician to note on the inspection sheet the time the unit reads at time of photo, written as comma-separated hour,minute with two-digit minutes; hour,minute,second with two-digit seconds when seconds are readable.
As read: 5,34
